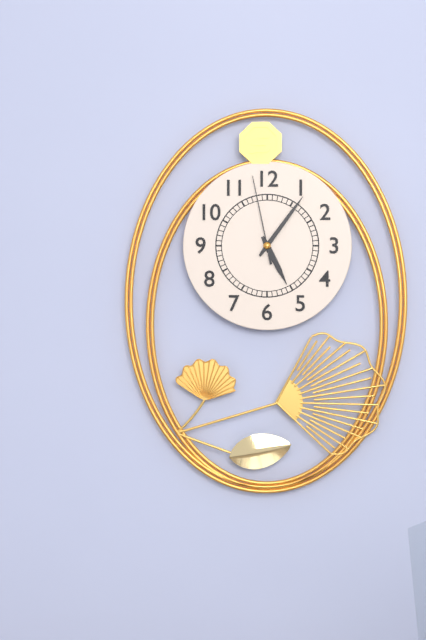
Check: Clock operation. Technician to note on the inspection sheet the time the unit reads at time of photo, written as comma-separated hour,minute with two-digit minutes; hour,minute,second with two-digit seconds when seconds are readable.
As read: 5,06,58
